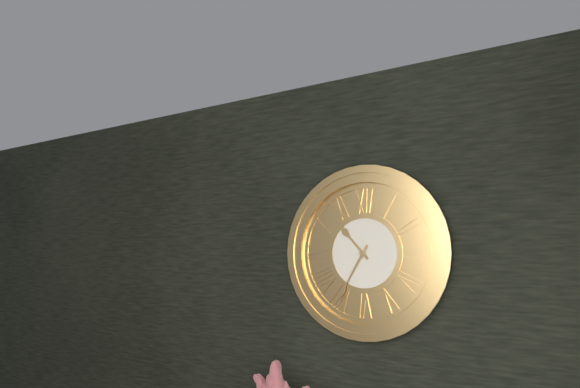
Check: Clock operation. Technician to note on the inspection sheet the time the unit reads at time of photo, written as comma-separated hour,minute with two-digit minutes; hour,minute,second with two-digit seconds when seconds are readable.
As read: 10,35
